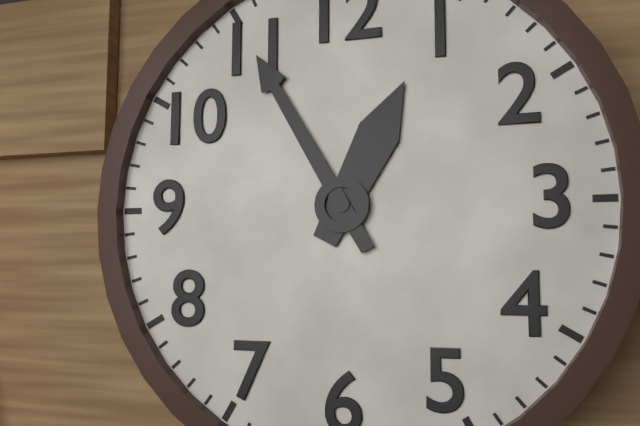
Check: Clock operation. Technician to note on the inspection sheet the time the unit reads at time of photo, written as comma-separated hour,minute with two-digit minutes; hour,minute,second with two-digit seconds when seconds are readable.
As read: 12,55
